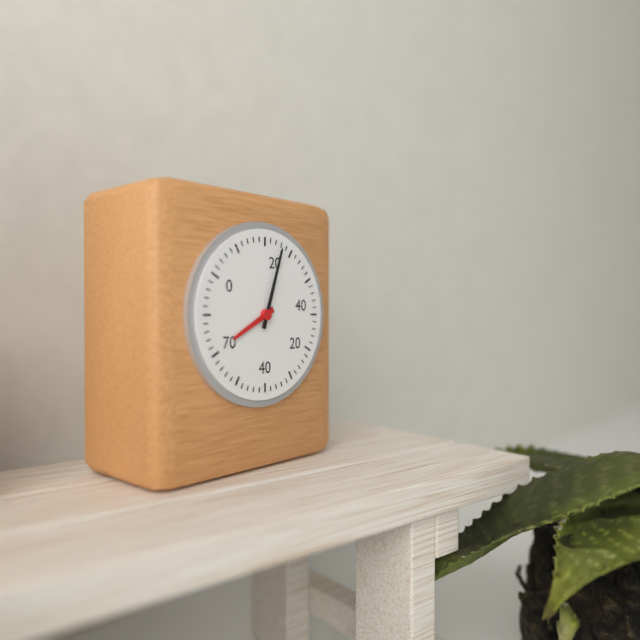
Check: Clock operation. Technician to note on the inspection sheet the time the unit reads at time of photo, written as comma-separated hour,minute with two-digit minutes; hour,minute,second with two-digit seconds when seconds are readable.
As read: 8,03
